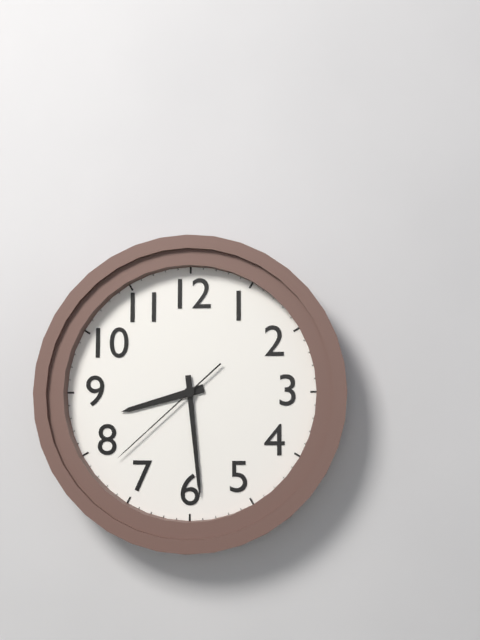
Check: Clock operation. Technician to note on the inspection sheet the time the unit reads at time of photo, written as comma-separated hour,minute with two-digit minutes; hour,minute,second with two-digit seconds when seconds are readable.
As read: 8,29,38
